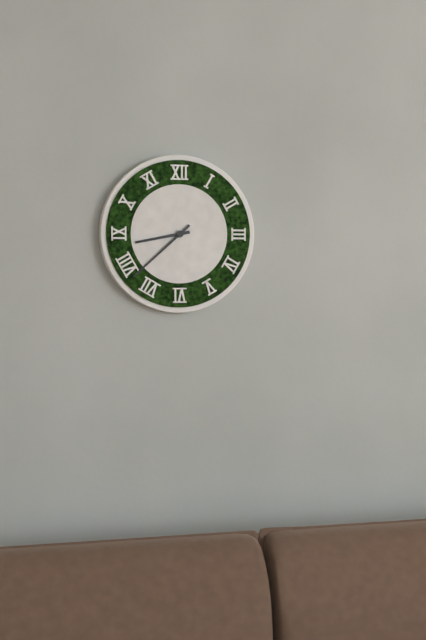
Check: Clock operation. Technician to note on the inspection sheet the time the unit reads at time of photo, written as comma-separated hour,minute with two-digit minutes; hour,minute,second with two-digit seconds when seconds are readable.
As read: 8,38
